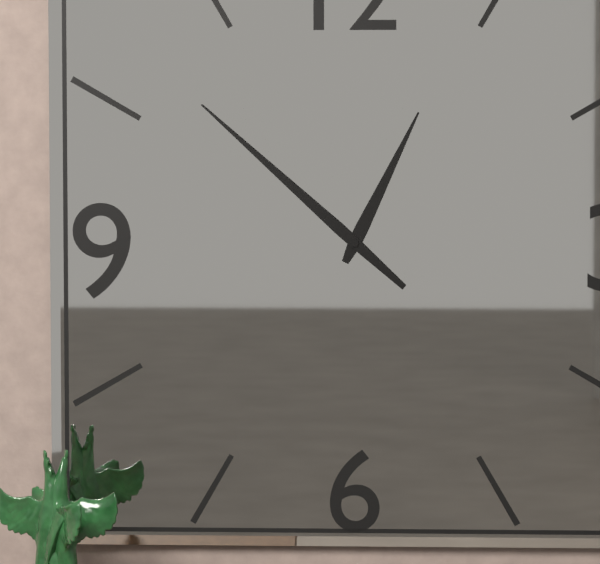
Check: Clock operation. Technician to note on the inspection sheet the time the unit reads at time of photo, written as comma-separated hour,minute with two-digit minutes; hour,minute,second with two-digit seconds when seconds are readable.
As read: 12,52
